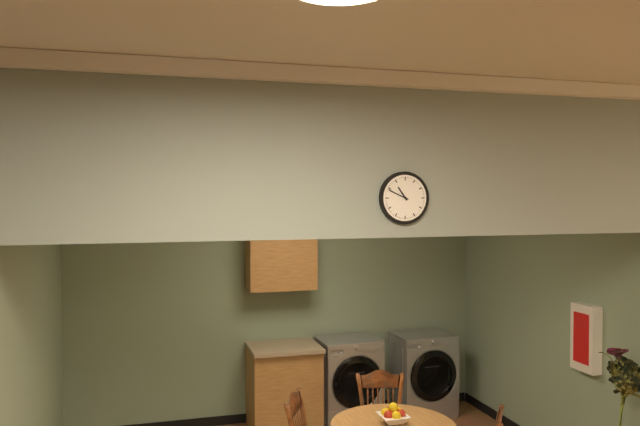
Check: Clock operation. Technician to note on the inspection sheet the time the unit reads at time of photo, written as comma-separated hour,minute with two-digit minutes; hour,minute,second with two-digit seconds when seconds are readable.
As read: 10,49
